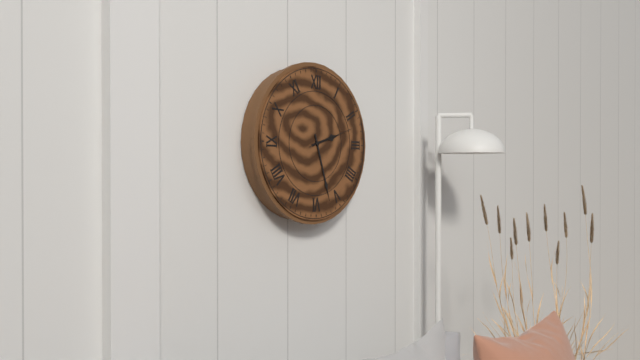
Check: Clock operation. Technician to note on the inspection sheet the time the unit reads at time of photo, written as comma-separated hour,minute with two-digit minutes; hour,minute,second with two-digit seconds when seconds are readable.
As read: 2,27
